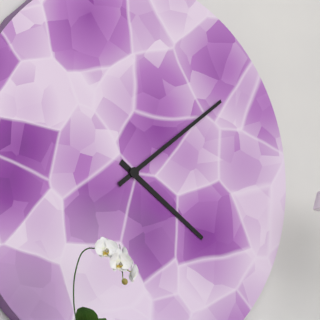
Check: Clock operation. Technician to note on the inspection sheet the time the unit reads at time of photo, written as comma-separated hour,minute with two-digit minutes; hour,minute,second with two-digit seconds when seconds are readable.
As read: 4,09
